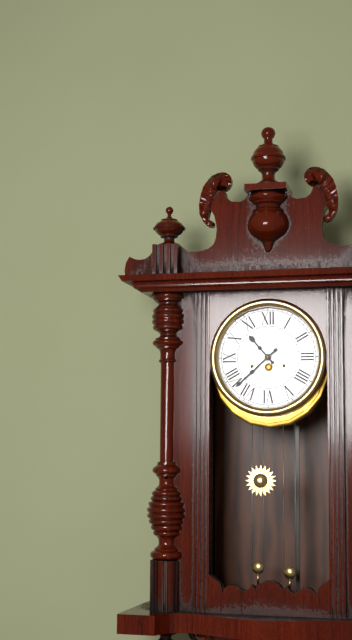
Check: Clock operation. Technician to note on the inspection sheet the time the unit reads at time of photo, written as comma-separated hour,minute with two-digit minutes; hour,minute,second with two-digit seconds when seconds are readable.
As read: 10,38
